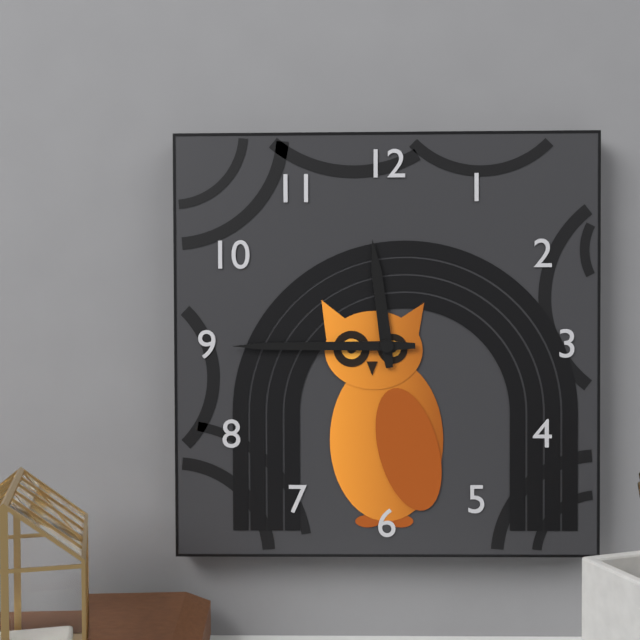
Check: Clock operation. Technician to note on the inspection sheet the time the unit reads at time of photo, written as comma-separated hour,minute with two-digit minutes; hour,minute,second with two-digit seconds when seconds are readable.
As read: 11,45
